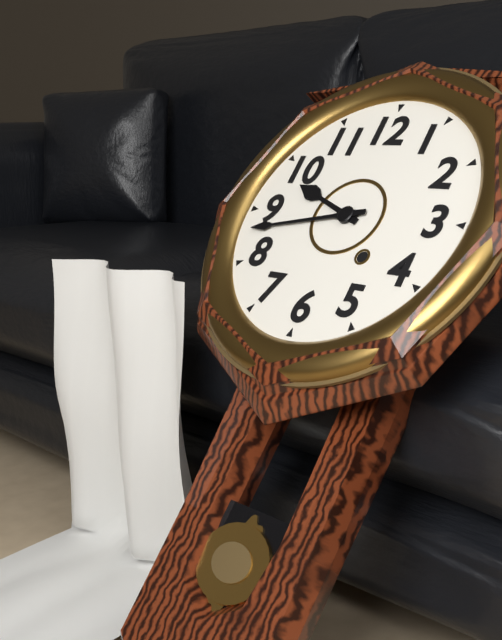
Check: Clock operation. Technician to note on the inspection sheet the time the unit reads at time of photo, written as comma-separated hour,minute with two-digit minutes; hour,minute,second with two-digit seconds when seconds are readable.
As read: 9,43
